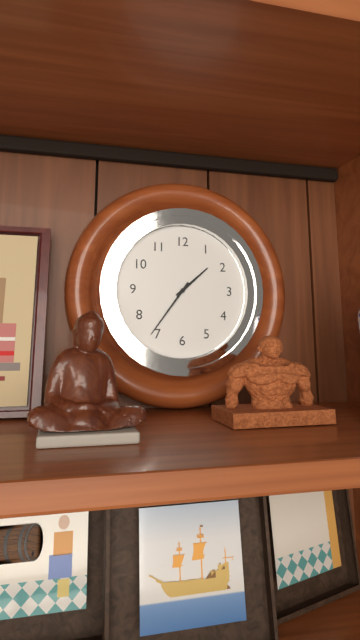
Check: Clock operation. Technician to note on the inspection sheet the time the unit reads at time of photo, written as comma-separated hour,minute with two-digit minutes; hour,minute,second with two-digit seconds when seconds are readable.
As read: 1,36
